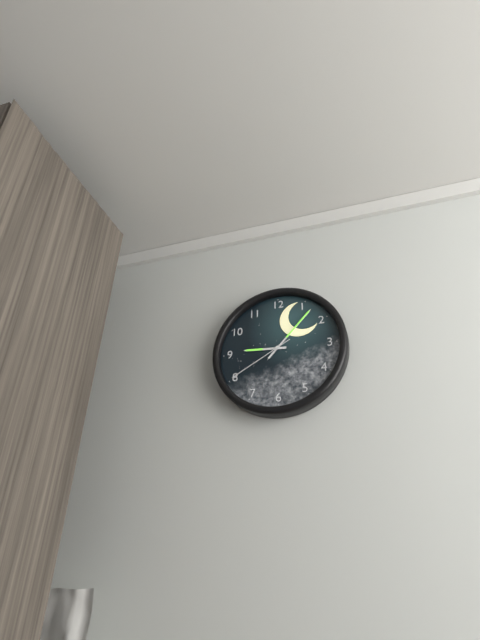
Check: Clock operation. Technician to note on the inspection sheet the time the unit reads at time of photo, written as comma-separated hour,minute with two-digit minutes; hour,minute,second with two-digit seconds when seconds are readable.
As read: 9,07,40
